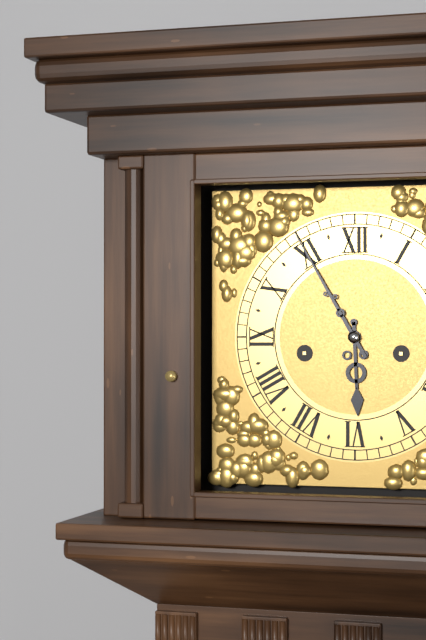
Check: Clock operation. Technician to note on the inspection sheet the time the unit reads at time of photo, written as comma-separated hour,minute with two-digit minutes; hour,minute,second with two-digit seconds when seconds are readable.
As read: 5,55
